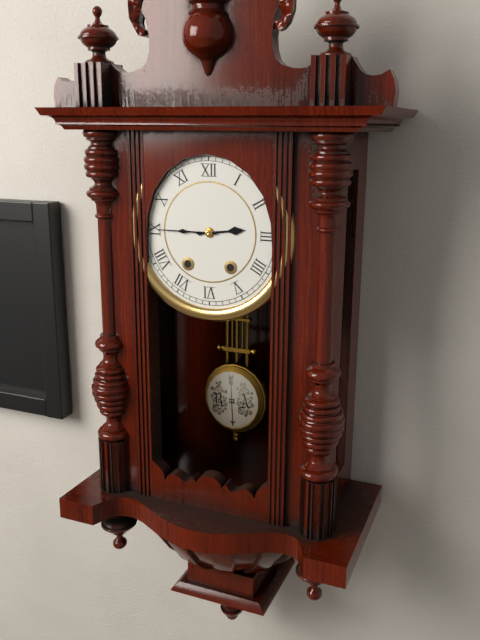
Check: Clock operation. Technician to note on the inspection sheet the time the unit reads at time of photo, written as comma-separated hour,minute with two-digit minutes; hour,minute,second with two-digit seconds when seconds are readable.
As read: 2,45
